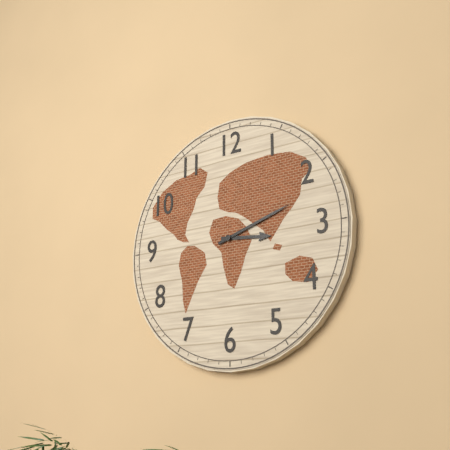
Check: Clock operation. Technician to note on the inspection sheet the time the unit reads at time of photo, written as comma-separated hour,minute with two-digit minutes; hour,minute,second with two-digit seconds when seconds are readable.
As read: 3,12
